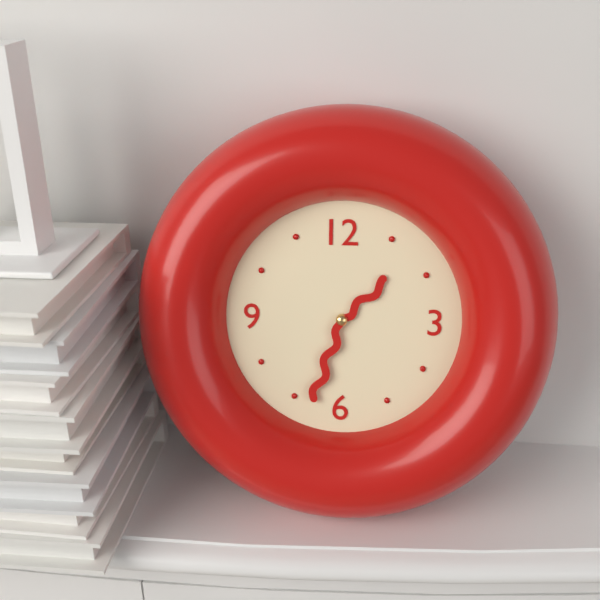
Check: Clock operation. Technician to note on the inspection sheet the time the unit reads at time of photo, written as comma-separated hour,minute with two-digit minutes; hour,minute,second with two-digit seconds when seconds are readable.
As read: 1,33
